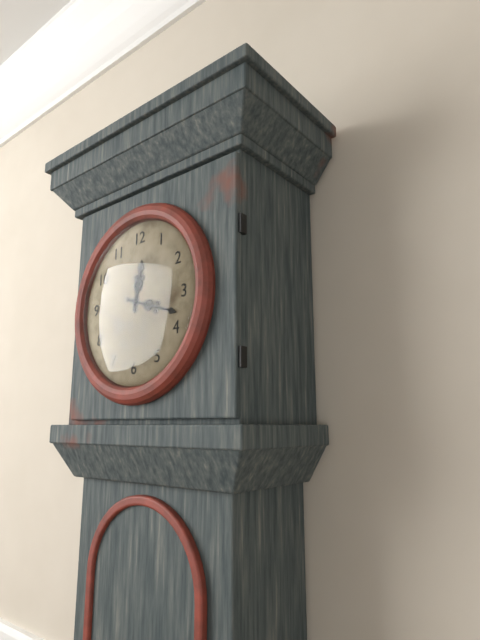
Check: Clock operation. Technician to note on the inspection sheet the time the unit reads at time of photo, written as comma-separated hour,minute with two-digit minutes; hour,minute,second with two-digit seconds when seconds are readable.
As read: 12,18
